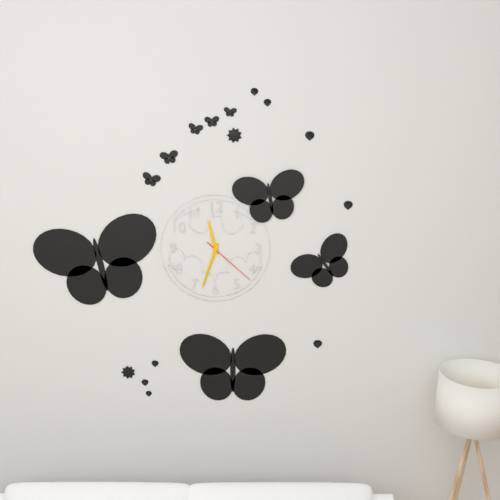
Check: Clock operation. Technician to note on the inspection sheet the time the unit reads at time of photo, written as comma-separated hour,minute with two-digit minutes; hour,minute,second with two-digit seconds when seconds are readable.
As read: 11,33,22
